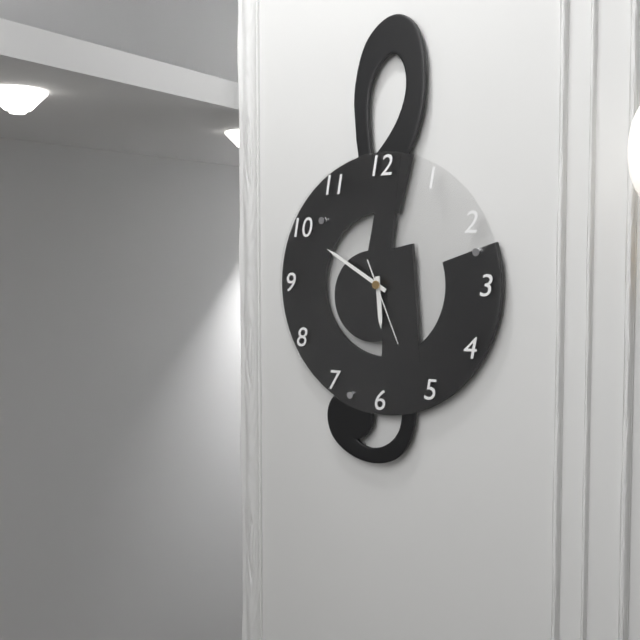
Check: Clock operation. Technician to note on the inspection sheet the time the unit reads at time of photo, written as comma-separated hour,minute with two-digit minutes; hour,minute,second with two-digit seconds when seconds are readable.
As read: 5,50,26
